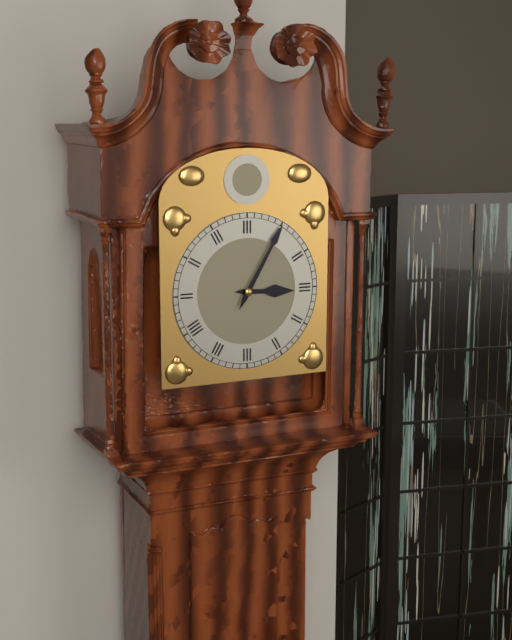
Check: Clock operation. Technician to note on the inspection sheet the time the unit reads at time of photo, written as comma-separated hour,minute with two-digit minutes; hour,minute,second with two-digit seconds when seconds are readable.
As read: 3,05
